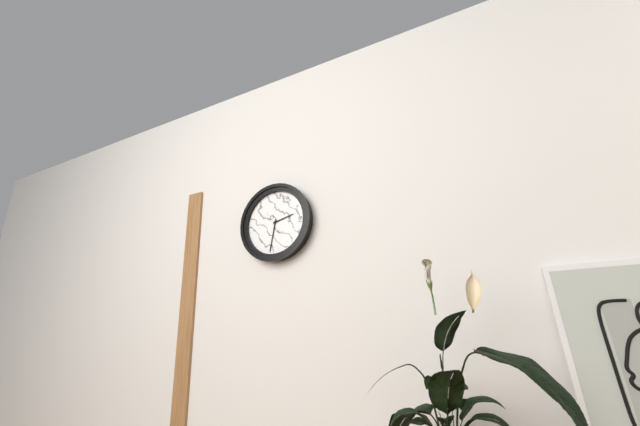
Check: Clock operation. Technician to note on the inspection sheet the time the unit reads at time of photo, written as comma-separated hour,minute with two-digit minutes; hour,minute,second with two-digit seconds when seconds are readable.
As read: 2,32
